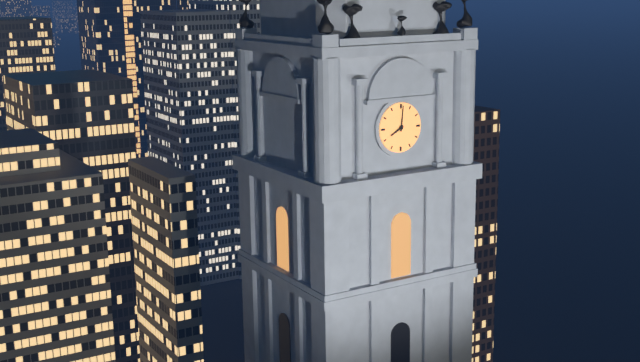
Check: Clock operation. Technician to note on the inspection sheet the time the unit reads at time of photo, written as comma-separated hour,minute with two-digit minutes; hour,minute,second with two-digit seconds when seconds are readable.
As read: 8,01
